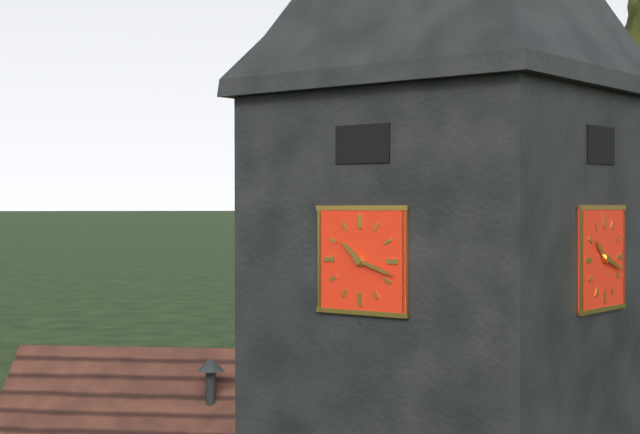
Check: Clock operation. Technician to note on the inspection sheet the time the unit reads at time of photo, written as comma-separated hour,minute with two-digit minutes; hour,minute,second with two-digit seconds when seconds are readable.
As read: 10,18
